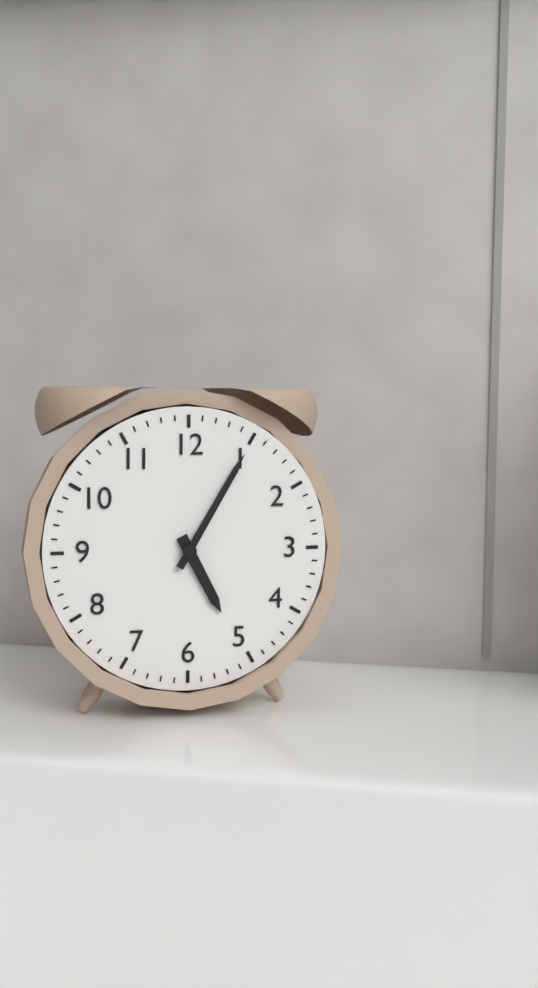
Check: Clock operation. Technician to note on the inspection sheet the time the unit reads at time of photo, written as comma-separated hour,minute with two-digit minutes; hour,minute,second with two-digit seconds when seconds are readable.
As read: 5,05
